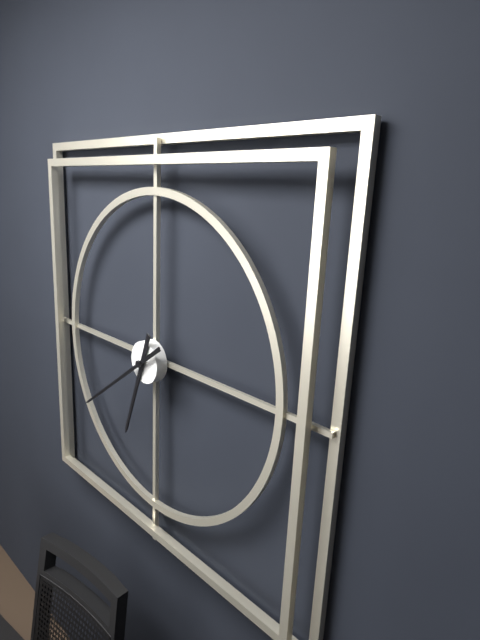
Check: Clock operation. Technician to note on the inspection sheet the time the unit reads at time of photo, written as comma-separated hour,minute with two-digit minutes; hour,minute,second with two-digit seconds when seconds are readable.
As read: 6,39
